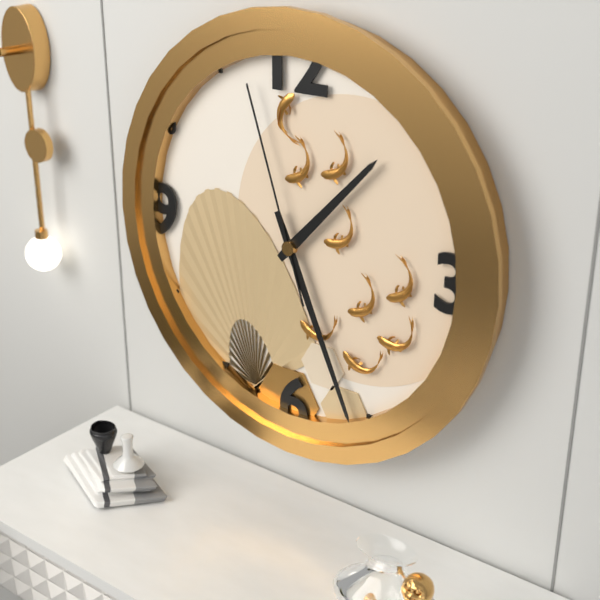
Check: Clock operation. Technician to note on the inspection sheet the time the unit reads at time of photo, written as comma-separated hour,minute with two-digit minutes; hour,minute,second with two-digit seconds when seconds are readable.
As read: 1,26,57
